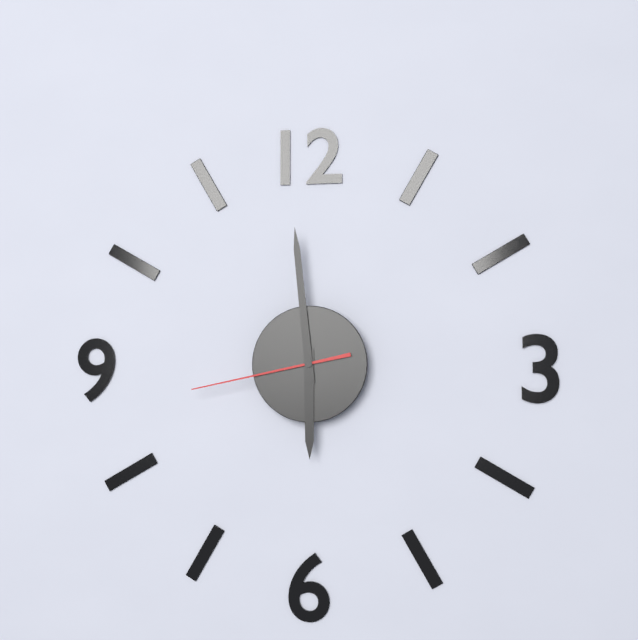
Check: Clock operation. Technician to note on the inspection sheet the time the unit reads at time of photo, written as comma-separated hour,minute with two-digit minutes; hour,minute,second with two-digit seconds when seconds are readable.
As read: 5,59,43
